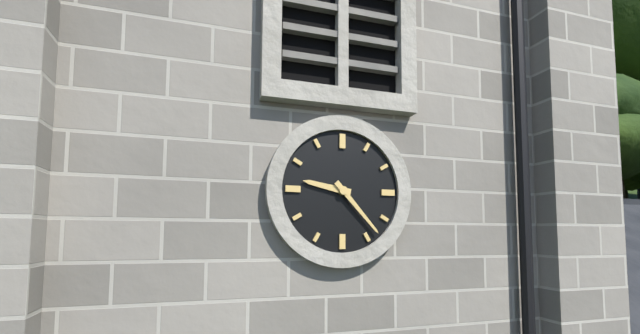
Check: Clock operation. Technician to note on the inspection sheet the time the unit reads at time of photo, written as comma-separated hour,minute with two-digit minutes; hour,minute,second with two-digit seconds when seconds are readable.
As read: 9,23
